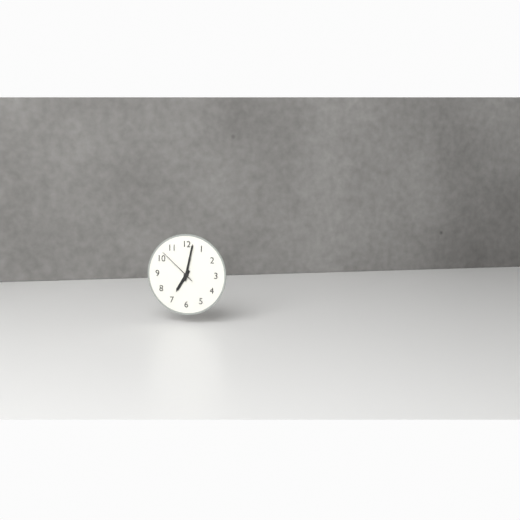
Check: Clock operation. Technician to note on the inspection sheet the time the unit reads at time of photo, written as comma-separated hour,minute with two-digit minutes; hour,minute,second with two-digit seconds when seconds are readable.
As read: 7,02
